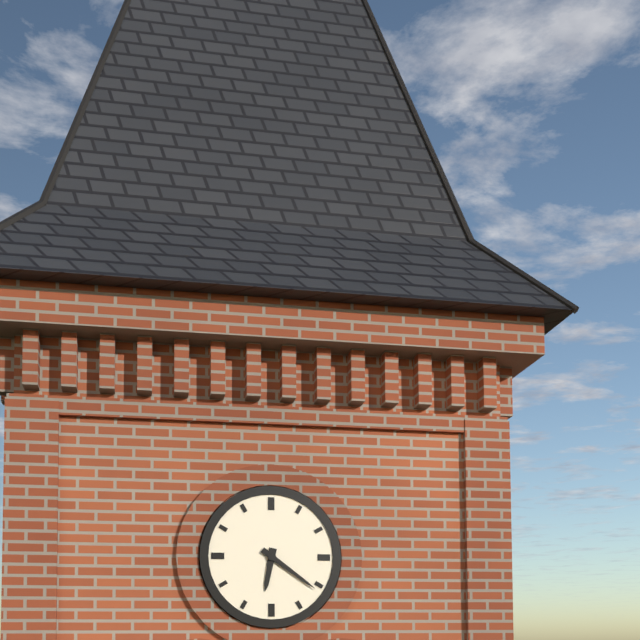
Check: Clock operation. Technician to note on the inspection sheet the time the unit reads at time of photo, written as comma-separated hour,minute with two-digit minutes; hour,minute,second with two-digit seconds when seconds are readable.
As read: 6,21
